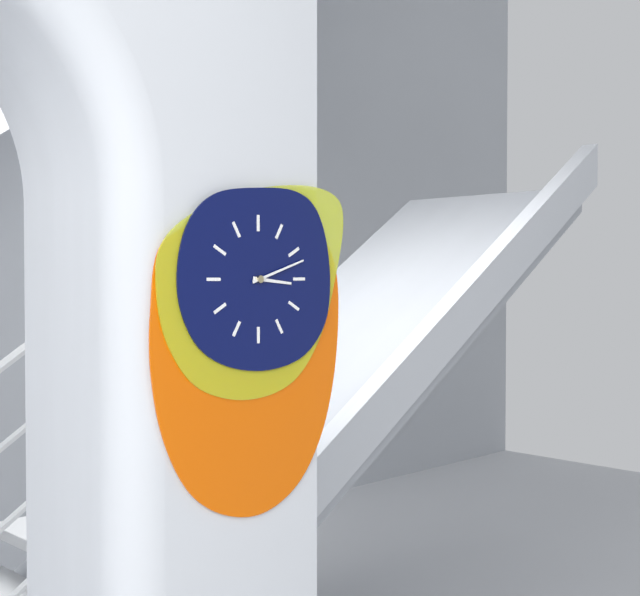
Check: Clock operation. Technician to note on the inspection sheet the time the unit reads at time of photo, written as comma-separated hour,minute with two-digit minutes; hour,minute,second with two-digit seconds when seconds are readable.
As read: 3,12
